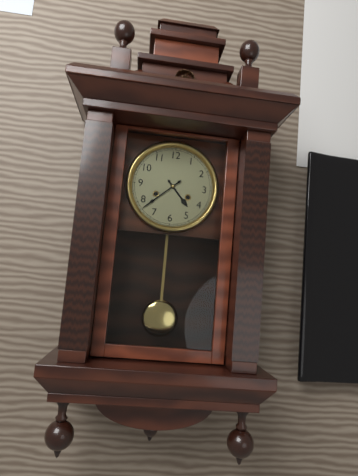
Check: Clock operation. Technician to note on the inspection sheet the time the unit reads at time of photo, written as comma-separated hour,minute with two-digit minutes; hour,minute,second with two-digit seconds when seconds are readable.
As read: 4,38
